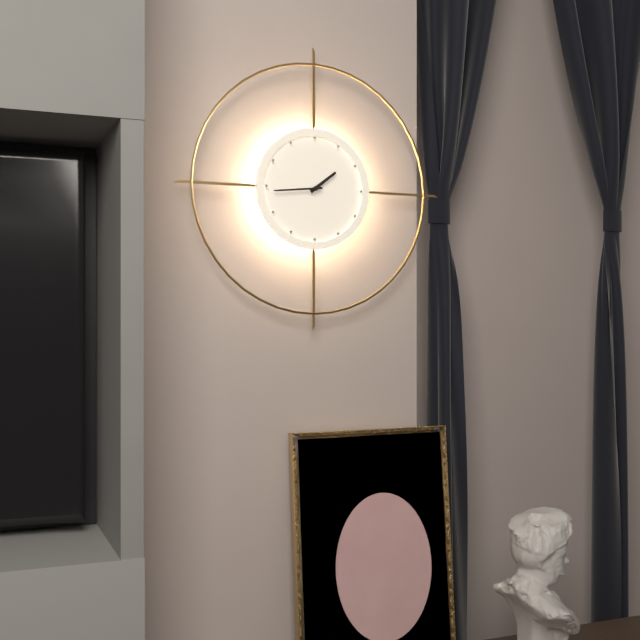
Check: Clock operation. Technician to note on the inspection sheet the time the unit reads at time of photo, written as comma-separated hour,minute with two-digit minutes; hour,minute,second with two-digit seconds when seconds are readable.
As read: 1,44
